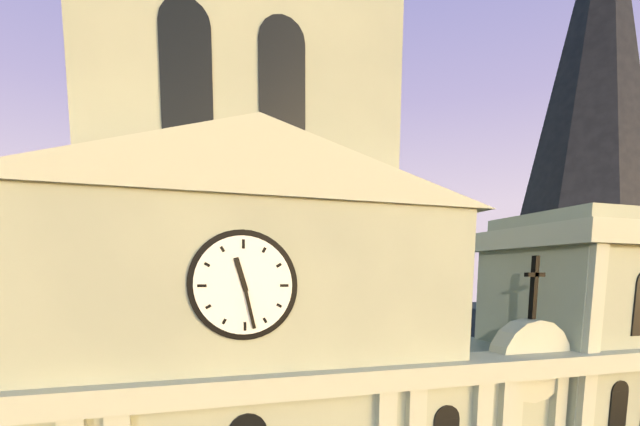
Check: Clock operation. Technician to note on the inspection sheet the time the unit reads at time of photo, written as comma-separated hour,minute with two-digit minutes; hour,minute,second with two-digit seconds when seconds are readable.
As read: 11,28
